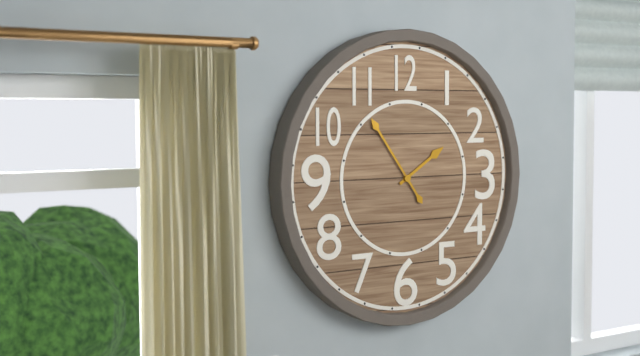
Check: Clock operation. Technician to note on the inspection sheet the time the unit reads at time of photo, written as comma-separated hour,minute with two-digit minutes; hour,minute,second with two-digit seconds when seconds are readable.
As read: 1,54
